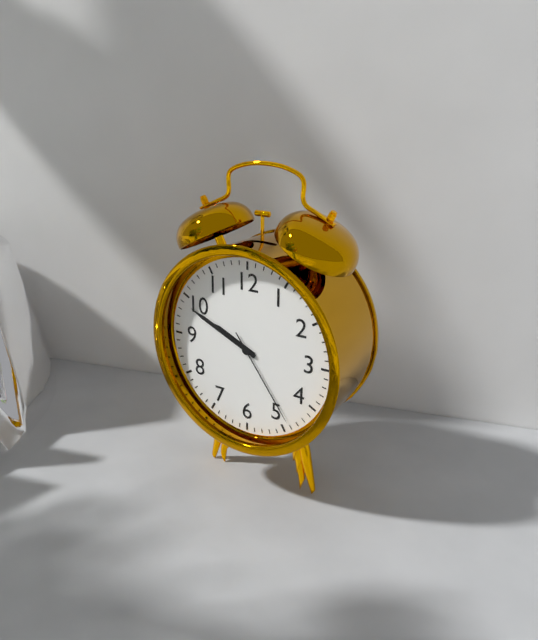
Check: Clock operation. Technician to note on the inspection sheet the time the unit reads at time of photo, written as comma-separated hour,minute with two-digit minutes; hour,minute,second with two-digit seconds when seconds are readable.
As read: 9,49,24
